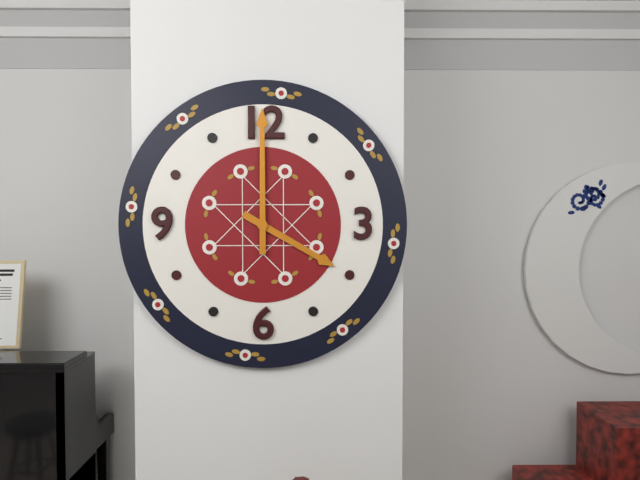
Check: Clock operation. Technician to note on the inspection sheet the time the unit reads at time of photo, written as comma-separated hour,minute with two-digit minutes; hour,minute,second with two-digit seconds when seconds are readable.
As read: 4,00
